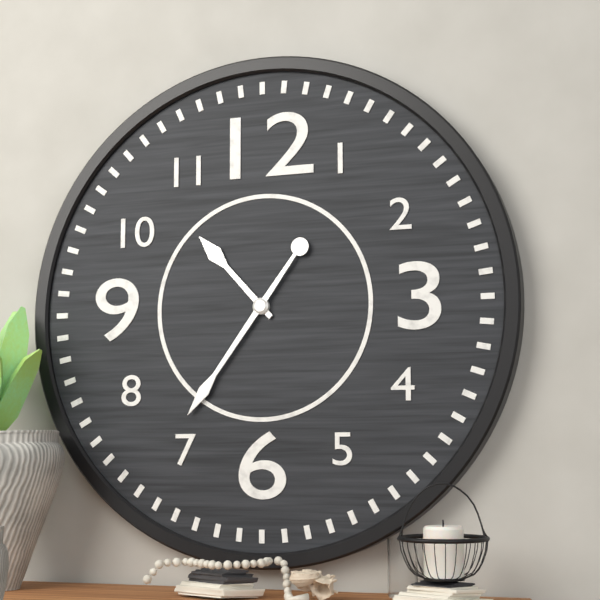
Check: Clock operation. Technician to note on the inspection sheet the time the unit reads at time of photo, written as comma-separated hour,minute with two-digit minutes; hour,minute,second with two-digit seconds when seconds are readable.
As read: 10,36
